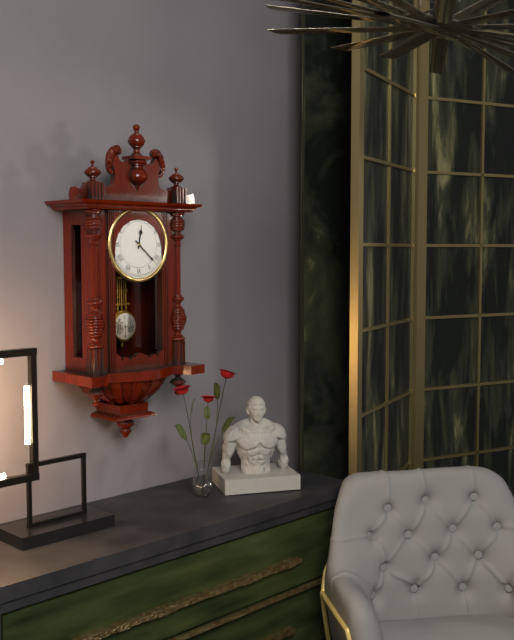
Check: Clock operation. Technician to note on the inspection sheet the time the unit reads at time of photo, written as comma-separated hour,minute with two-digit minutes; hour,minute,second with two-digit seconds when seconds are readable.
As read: 12,22
